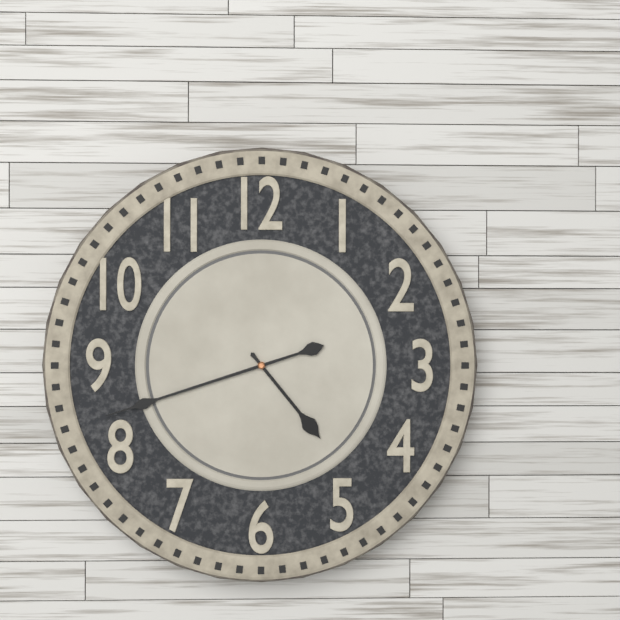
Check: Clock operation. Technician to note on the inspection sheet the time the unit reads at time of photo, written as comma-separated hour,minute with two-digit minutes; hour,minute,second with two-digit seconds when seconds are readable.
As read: 4,42
